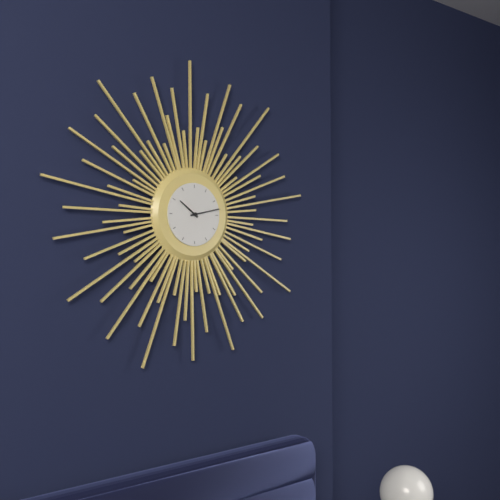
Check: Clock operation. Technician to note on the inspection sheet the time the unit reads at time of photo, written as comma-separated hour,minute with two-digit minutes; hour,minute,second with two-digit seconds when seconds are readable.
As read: 10,13
